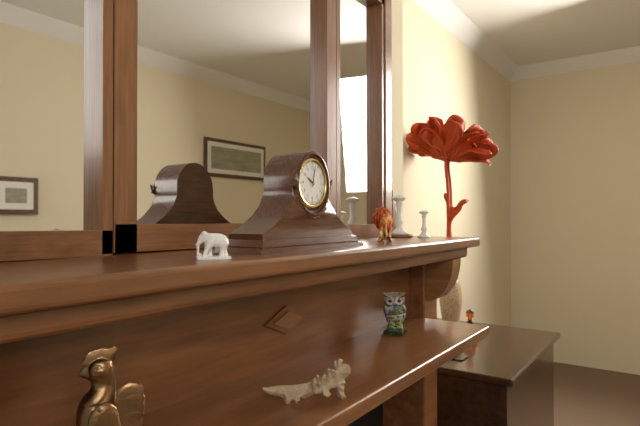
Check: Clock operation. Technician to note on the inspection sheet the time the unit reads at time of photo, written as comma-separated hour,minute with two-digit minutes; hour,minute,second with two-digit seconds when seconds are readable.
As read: 10,02
